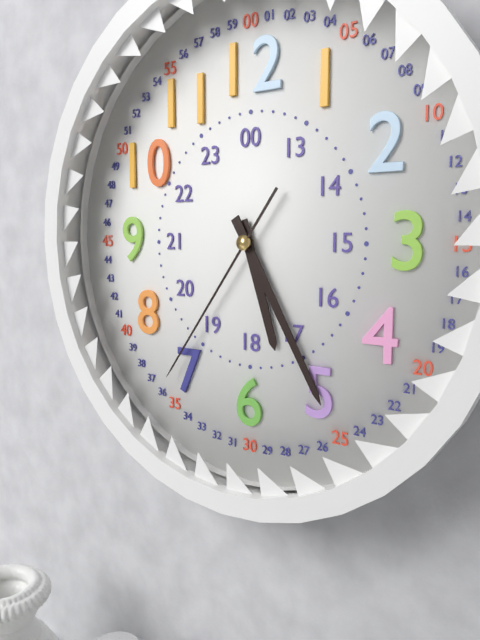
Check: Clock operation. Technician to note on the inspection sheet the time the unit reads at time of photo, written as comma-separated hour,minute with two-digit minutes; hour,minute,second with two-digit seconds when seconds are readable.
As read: 5,25,36
